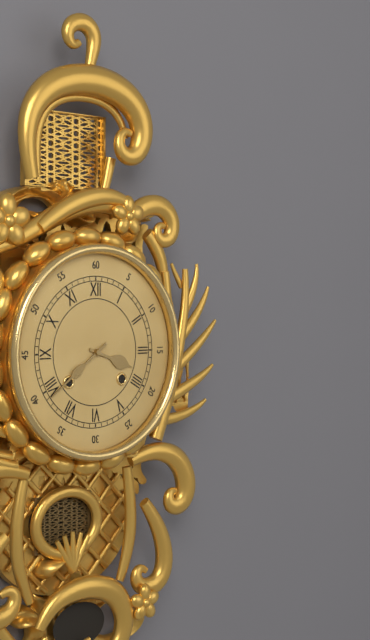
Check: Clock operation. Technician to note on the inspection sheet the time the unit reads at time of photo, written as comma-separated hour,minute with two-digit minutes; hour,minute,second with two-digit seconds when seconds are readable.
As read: 3,39
